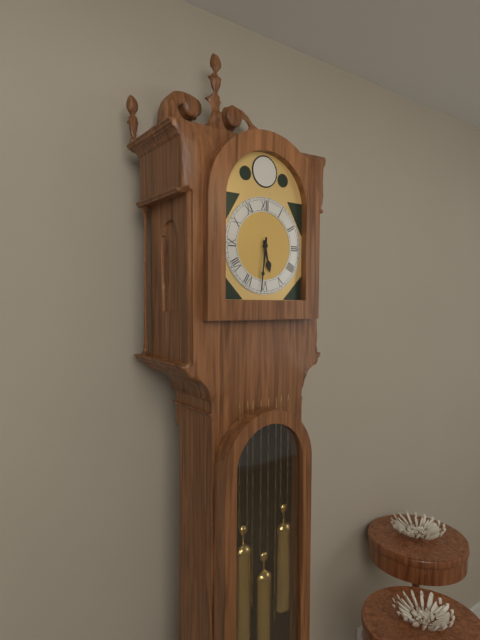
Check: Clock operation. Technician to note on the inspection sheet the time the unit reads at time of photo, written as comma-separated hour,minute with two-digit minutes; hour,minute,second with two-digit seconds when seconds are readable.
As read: 5,31
